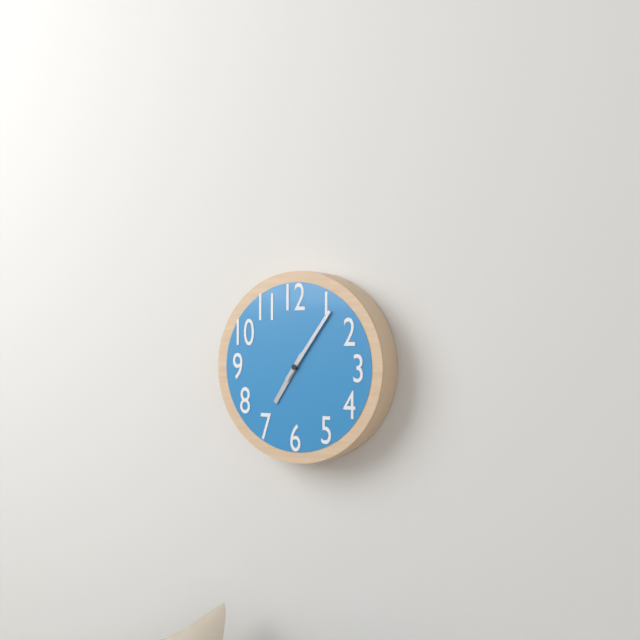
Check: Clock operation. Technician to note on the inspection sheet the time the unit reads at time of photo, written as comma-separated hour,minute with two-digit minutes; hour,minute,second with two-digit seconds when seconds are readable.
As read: 7,06
